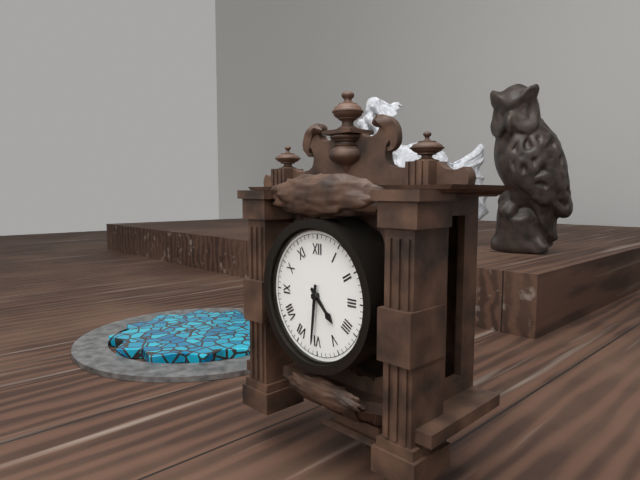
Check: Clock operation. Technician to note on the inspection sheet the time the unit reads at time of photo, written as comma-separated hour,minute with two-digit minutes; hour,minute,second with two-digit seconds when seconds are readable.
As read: 4,31
